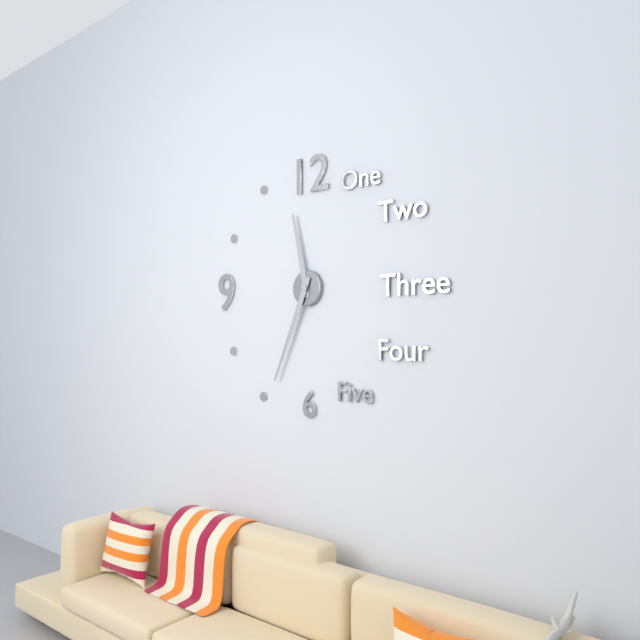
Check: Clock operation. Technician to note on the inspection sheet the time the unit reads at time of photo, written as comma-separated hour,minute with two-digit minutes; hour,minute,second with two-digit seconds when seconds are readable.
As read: 11,34
